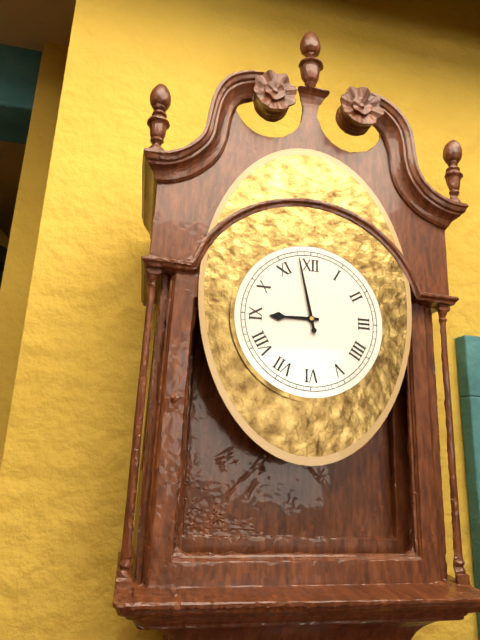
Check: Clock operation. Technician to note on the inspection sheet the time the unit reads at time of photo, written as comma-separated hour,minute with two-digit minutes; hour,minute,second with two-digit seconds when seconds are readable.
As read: 8,58
